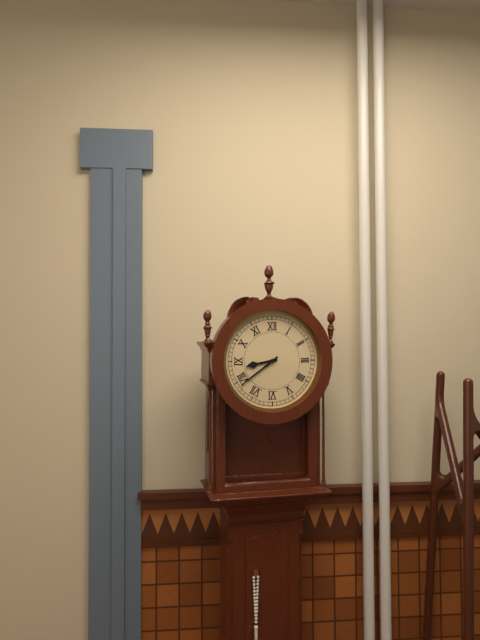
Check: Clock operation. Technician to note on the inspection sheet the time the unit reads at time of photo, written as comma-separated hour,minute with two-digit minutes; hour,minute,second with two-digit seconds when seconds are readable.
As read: 8,39
